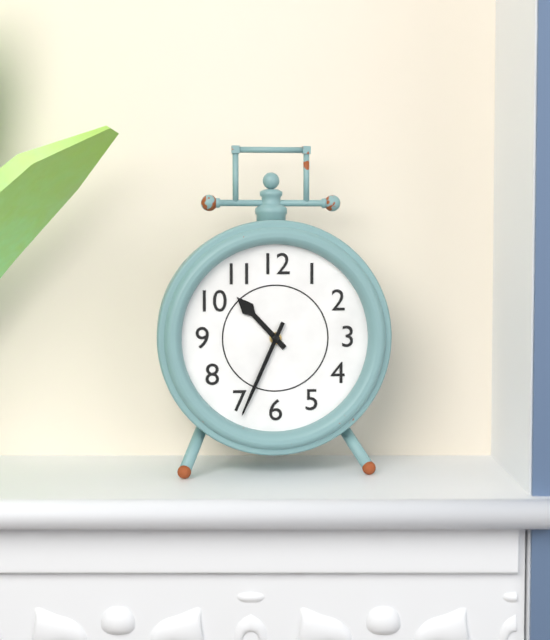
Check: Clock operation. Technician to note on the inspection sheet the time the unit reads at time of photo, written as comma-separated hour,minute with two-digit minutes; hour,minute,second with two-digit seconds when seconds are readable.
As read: 10,34
